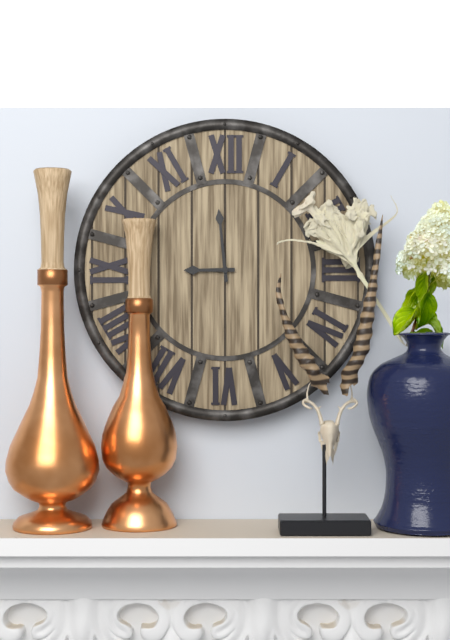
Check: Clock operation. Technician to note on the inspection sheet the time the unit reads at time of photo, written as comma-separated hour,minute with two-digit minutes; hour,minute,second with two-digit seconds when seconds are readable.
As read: 8,59
